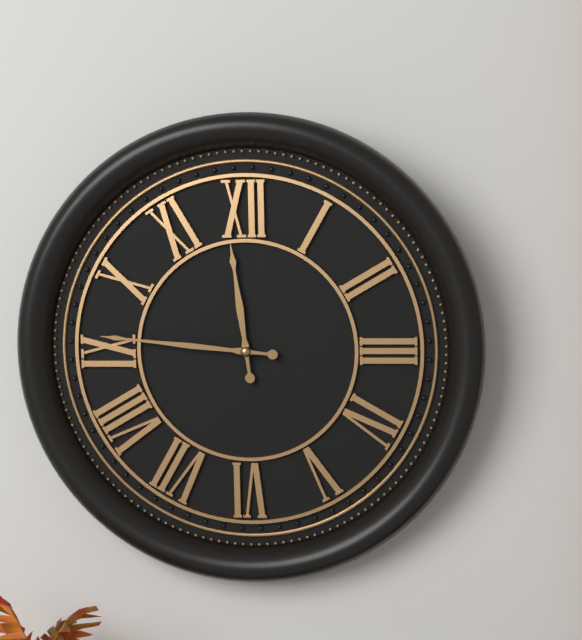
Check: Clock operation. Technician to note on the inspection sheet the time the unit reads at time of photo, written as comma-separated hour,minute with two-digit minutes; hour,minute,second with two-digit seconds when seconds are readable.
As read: 11,46
